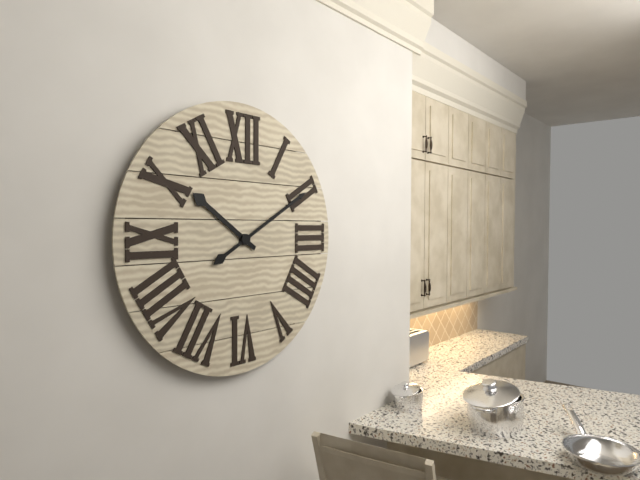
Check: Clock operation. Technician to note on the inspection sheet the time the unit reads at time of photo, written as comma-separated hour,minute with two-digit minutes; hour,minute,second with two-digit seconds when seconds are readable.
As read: 10,10
